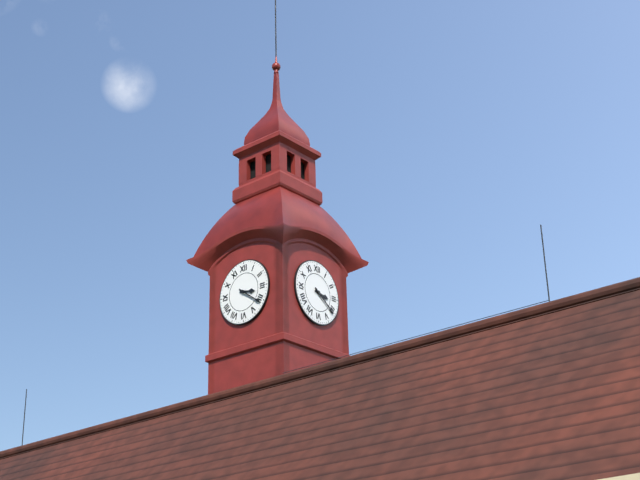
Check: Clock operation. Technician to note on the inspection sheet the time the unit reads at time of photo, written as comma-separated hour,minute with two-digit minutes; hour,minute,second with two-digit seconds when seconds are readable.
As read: 3,21
